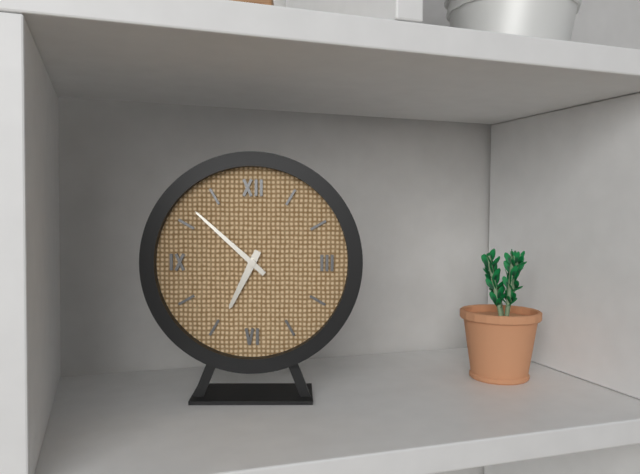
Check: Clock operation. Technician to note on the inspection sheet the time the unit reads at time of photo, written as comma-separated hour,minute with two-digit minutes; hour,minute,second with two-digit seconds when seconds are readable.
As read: 6,52
